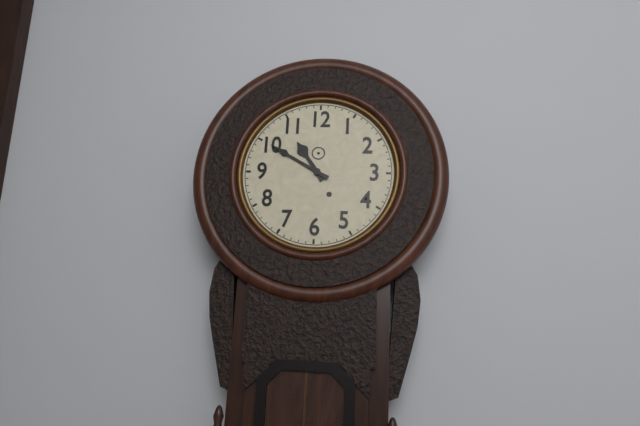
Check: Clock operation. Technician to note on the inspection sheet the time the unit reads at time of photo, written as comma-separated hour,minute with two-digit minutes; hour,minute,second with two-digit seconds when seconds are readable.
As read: 10,50
